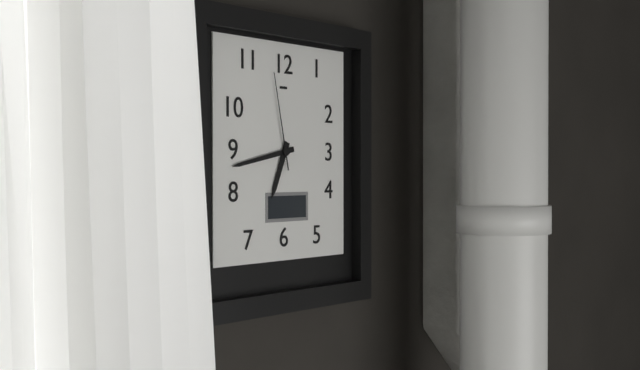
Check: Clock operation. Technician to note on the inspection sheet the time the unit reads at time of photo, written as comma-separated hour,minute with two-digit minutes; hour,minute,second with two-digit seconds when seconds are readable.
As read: 6,43,58
